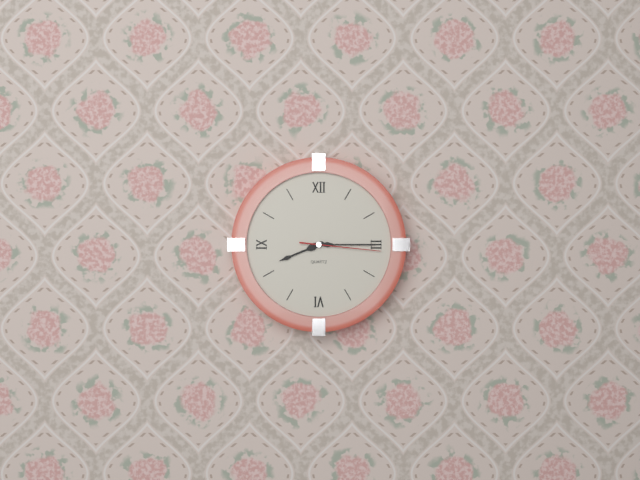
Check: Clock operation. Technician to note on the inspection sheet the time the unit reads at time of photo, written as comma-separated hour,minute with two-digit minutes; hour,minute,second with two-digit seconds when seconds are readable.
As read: 8,15,16
